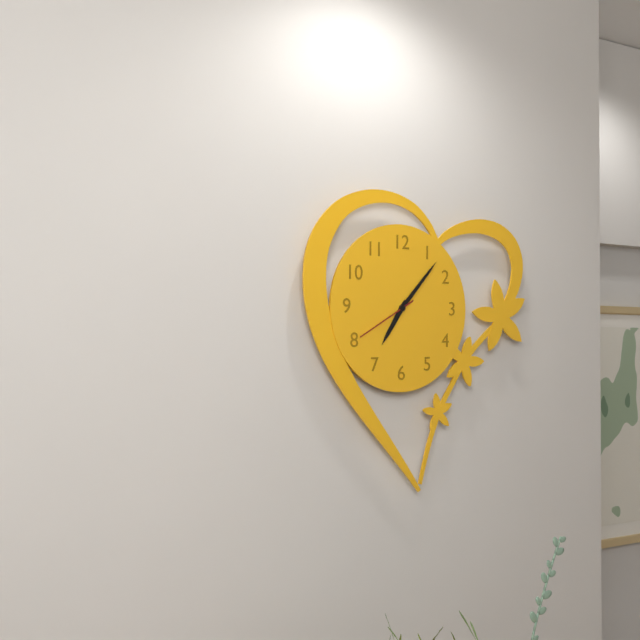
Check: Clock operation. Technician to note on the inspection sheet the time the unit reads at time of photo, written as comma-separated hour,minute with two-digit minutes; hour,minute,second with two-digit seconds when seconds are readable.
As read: 7,07,40
